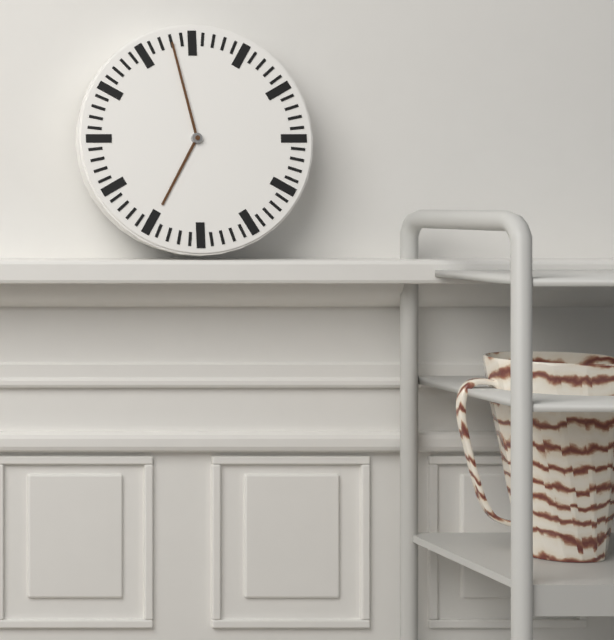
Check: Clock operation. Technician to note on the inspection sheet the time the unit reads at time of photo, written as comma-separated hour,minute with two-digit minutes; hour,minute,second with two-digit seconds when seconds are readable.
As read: 6,58
